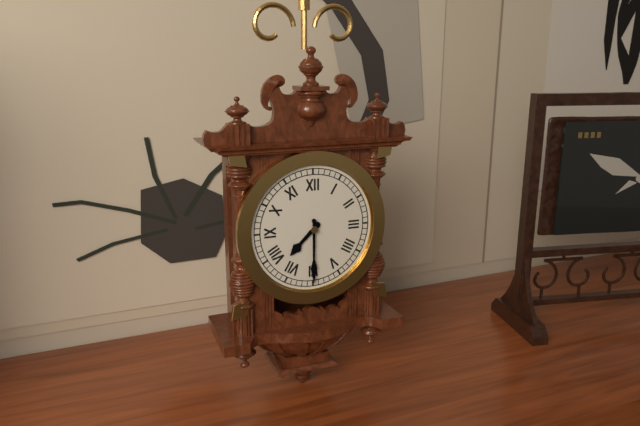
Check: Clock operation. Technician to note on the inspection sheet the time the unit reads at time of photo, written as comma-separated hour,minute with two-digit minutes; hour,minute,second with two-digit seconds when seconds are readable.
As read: 7,30
